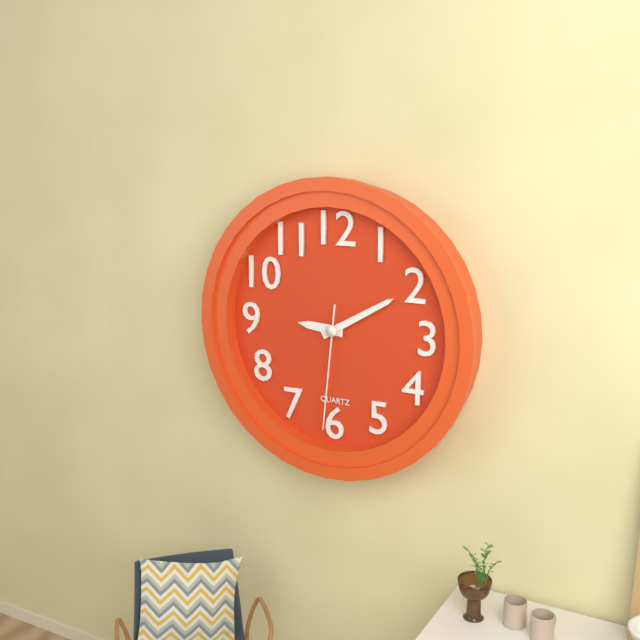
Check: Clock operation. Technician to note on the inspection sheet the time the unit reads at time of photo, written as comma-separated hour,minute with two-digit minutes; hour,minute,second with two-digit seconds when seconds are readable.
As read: 9,10,31
